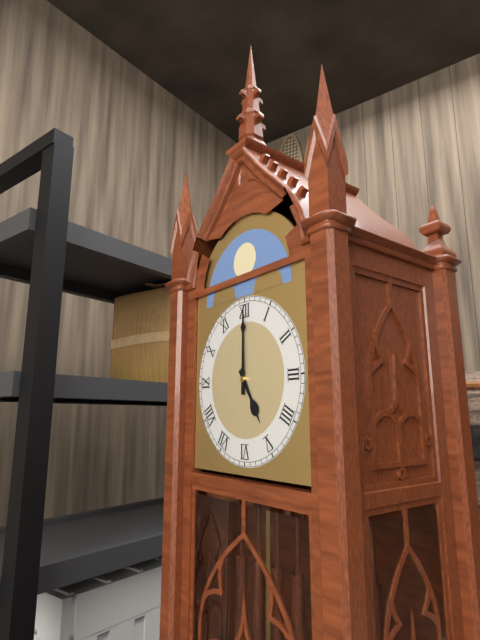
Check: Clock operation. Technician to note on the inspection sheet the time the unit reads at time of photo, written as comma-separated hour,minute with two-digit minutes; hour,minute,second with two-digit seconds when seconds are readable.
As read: 5,00
